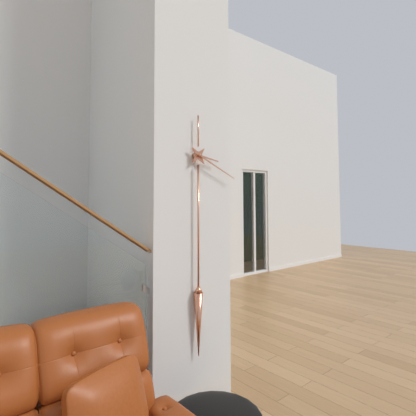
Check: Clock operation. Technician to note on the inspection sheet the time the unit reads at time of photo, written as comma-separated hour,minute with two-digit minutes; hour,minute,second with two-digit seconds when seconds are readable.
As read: 3,19
